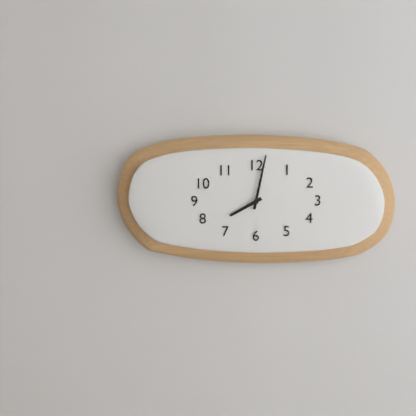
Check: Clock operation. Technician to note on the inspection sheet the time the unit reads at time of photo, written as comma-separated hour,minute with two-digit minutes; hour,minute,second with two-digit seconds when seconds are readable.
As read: 8,02
